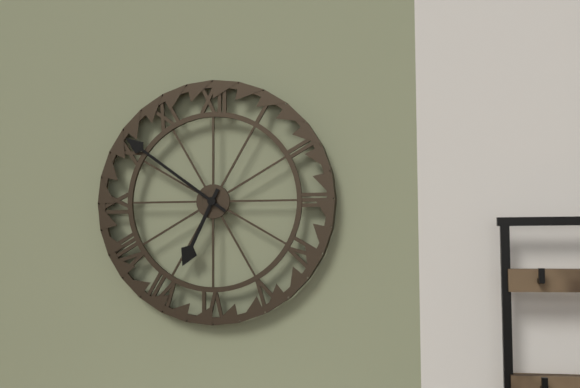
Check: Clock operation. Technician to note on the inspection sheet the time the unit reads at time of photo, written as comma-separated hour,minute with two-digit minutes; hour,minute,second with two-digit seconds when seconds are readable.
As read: 6,51
